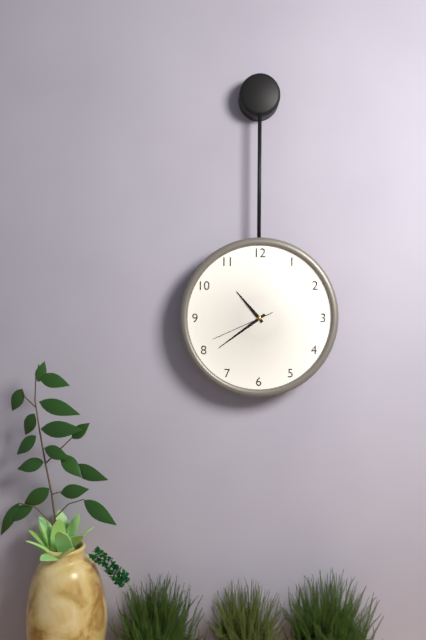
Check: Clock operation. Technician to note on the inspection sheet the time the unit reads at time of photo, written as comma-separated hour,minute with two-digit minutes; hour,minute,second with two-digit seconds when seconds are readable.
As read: 10,39,41
